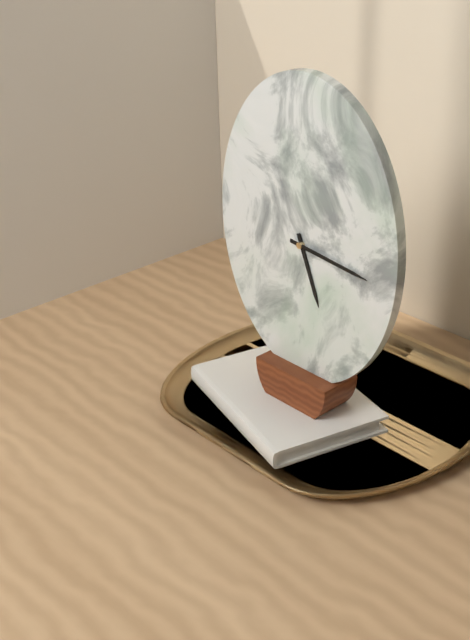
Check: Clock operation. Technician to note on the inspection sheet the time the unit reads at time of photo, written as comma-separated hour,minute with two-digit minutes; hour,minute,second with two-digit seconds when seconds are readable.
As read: 5,16
